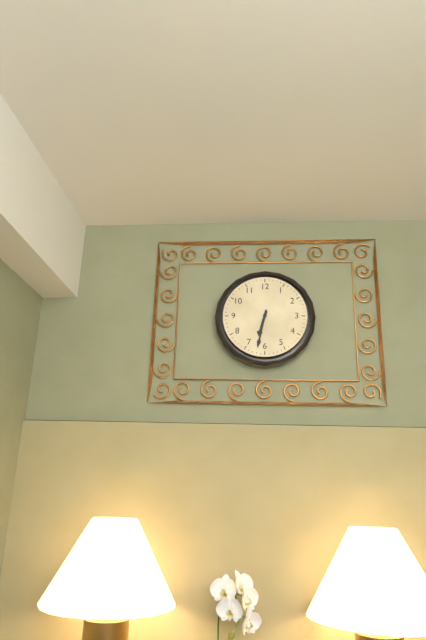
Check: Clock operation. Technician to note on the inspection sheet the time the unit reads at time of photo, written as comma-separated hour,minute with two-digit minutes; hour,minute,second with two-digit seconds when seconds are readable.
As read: 6,32
